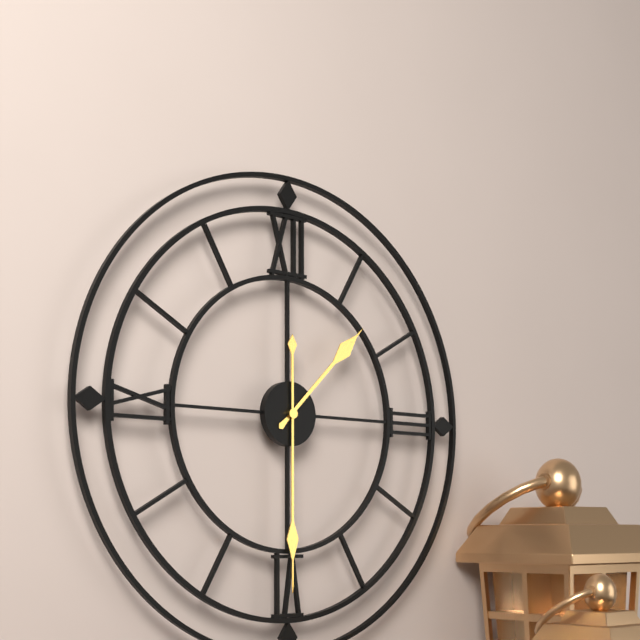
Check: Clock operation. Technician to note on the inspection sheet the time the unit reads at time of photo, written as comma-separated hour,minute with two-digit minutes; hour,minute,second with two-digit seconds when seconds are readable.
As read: 1,30
